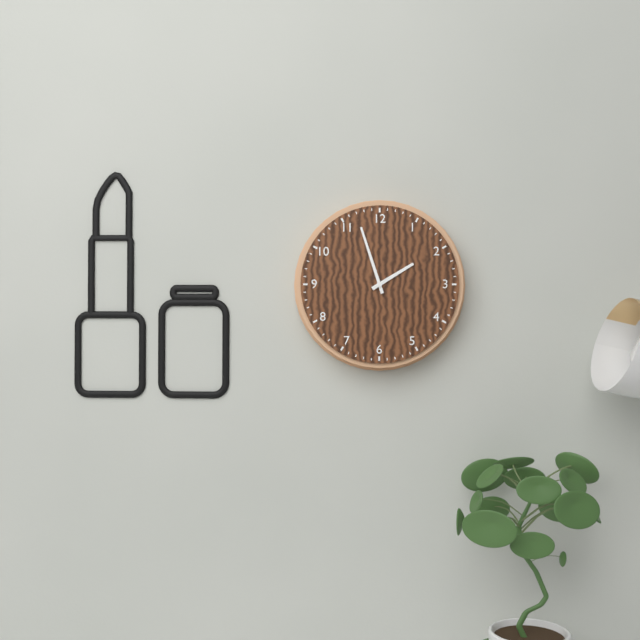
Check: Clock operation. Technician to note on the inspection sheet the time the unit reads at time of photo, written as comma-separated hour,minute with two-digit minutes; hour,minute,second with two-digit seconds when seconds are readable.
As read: 1,57
